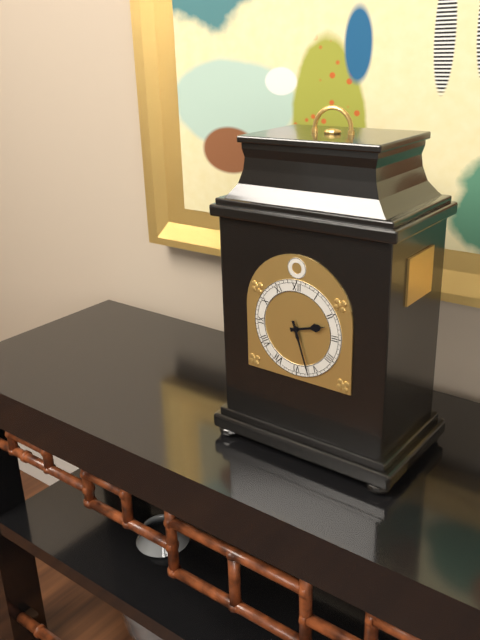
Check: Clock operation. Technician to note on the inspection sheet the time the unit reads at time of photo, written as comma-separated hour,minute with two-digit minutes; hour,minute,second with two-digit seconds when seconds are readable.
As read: 2,27
